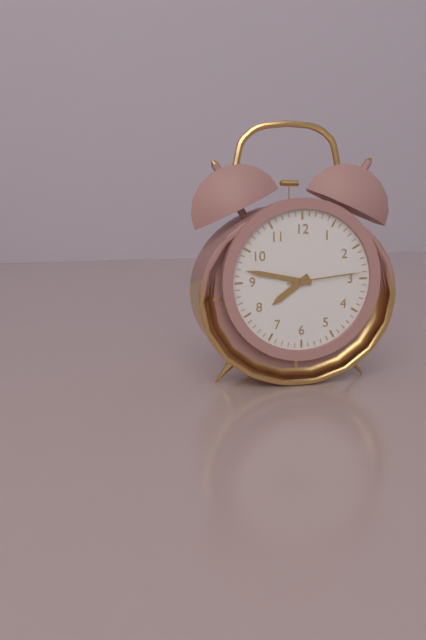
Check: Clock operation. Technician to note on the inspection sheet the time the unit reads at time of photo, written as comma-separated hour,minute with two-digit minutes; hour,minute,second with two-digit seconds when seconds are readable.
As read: 7,47,14
